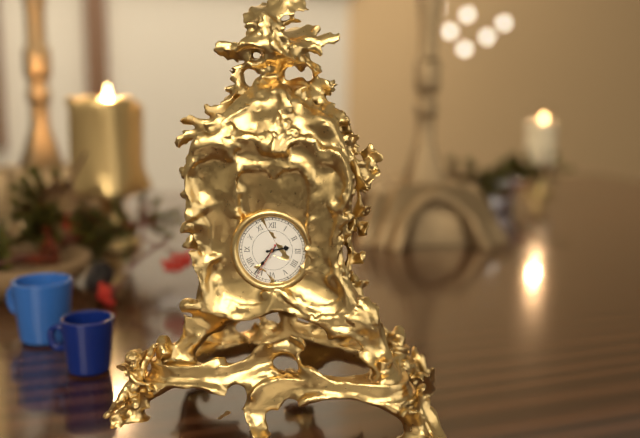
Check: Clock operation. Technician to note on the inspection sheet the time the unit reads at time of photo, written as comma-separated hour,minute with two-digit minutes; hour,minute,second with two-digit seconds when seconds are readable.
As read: 2,36
